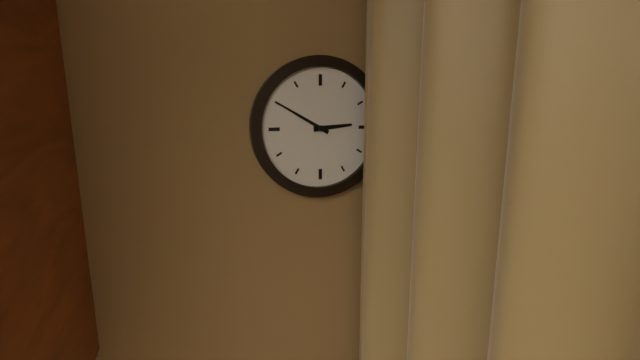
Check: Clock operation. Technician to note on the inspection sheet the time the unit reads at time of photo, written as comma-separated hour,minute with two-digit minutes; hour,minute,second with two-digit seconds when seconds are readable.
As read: 2,50
